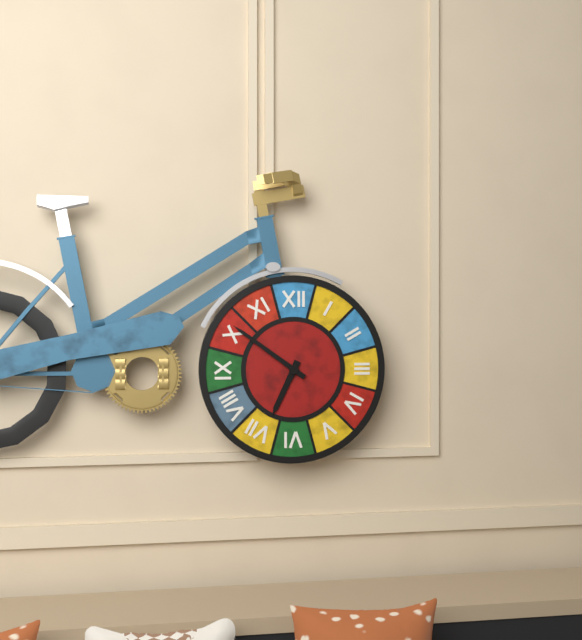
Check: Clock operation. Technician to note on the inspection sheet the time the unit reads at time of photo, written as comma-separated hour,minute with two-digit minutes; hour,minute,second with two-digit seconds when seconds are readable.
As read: 6,51
